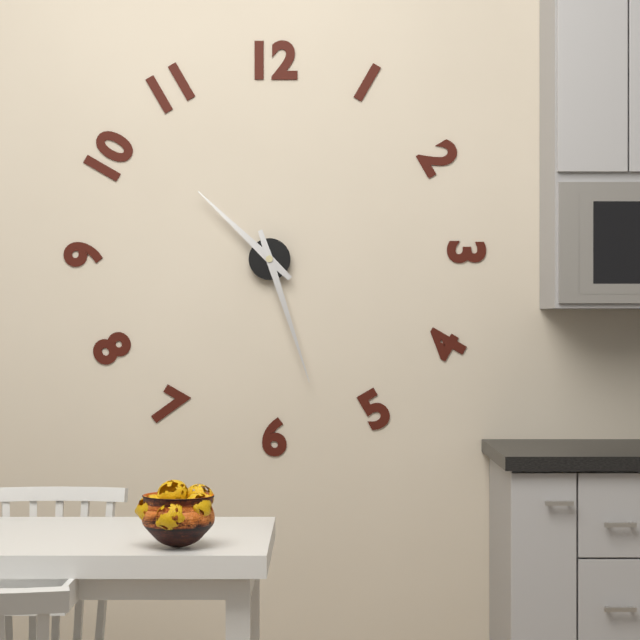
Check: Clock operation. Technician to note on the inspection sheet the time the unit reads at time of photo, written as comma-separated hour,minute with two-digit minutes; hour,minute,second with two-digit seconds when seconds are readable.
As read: 10,27
